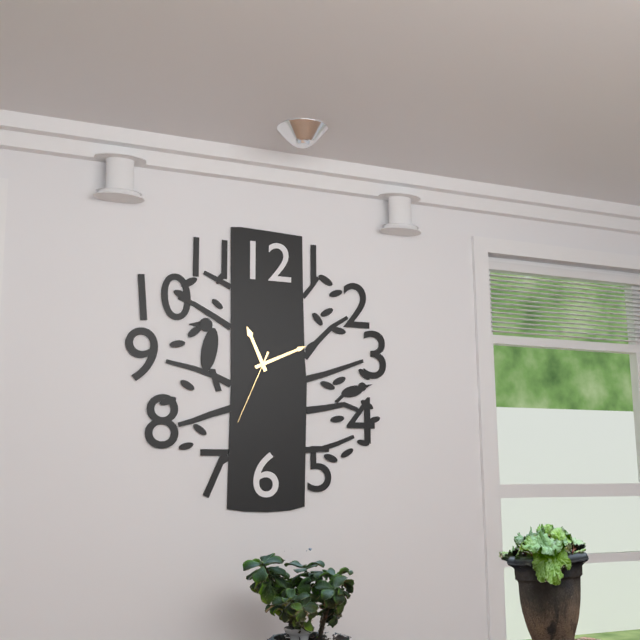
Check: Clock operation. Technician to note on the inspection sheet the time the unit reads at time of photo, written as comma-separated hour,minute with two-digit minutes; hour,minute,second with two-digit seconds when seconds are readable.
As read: 11,11,34
